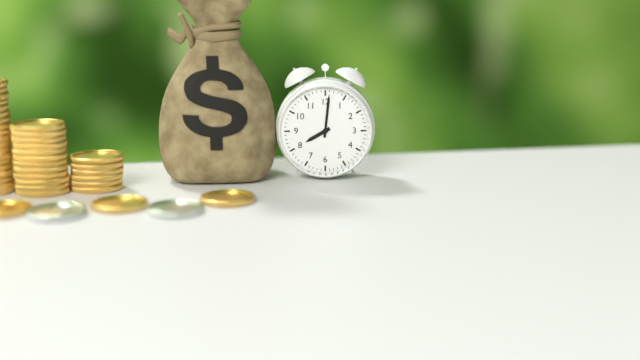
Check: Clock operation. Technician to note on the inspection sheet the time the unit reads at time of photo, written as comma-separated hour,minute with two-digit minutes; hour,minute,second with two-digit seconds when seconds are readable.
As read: 8,01
